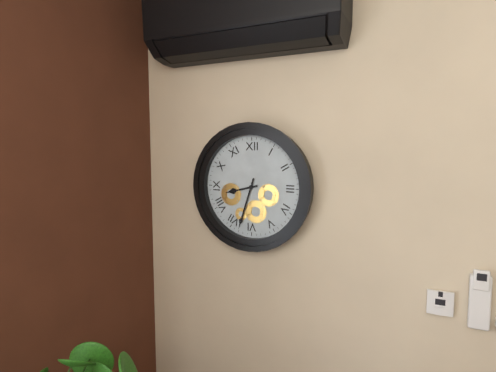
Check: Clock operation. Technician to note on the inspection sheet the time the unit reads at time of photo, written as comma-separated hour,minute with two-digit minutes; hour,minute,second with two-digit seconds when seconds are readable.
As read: 8,33
